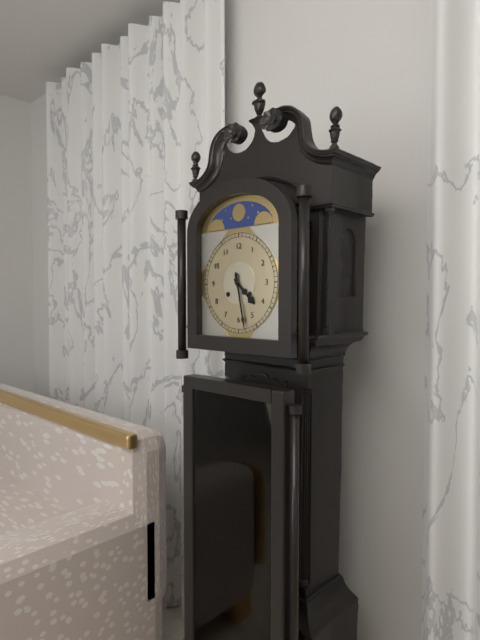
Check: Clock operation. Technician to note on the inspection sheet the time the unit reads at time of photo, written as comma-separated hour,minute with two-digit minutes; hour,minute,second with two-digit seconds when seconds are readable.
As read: 4,28
